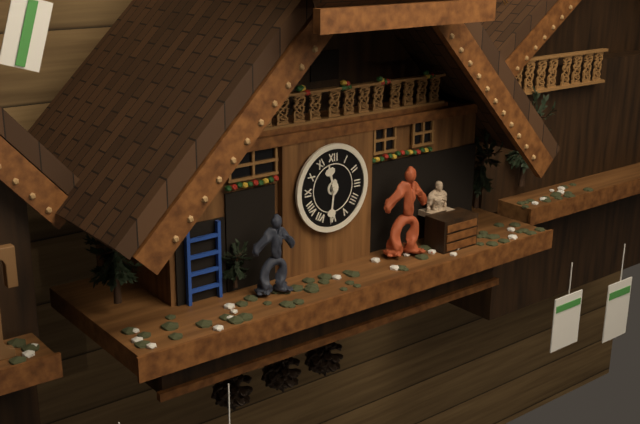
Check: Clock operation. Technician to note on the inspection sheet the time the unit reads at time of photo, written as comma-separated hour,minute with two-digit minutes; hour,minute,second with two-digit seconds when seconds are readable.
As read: 11,31
